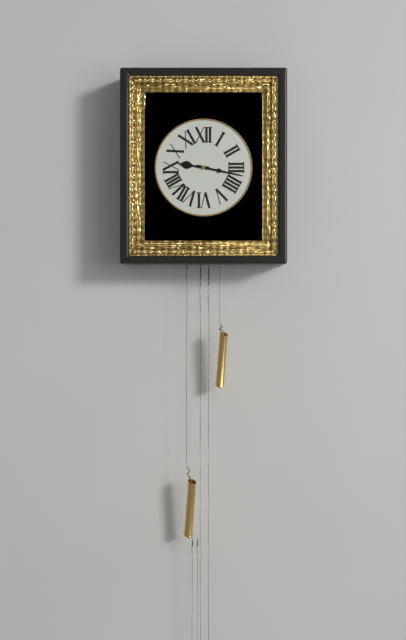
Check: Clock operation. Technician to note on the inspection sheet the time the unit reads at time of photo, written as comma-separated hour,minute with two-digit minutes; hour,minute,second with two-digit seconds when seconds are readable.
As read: 9,17
